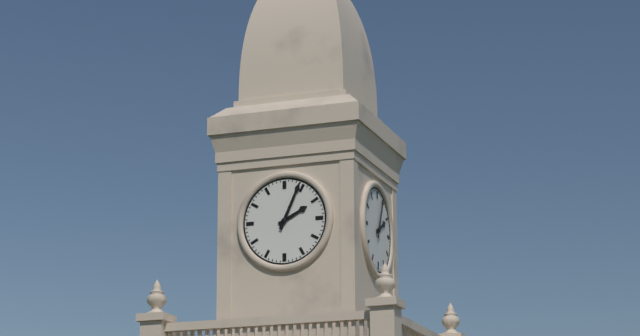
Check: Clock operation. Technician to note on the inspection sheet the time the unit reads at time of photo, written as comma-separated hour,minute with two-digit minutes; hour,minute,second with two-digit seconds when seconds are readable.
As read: 2,04
